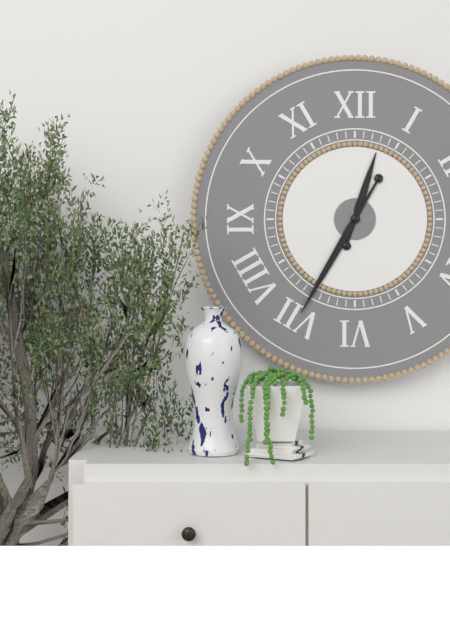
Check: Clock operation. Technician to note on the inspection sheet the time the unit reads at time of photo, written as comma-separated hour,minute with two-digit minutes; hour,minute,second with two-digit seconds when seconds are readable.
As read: 12,35
